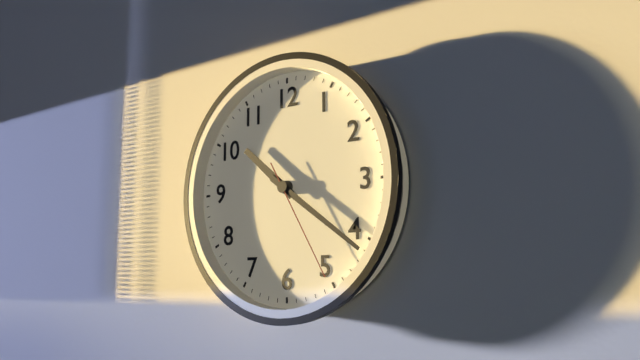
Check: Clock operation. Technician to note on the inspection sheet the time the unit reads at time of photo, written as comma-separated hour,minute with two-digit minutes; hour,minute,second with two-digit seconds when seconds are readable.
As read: 10,21,25
